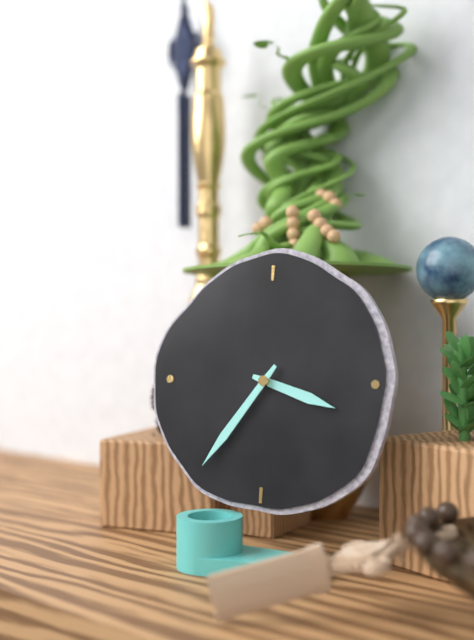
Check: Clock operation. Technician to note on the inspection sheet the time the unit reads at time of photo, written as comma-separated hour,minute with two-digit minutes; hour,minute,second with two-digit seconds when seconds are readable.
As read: 3,36
